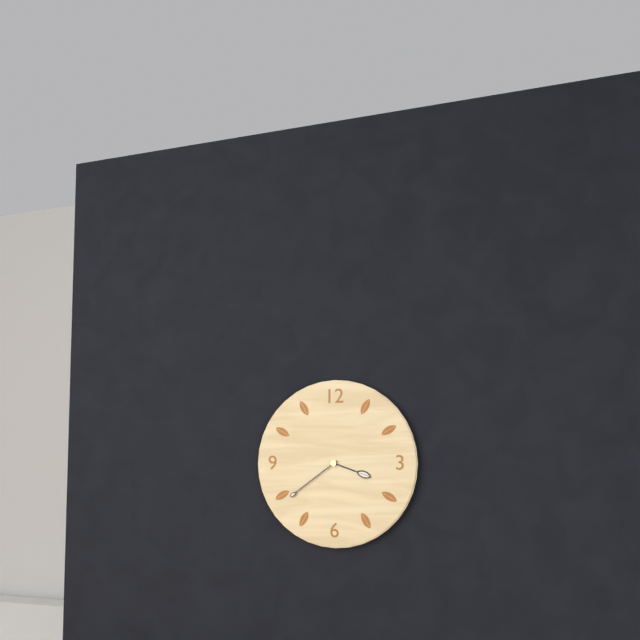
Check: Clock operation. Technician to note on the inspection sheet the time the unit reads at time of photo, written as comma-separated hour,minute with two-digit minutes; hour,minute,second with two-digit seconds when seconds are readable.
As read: 3,39
